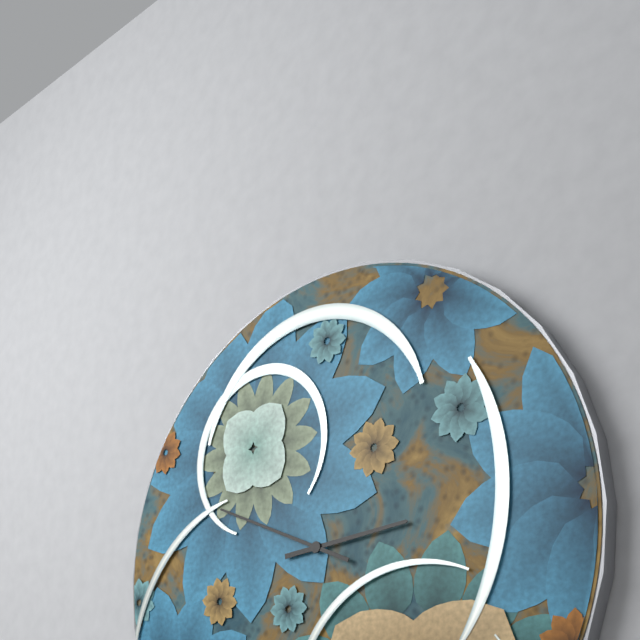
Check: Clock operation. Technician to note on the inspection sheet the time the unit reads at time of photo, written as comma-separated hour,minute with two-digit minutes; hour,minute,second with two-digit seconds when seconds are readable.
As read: 2,49
